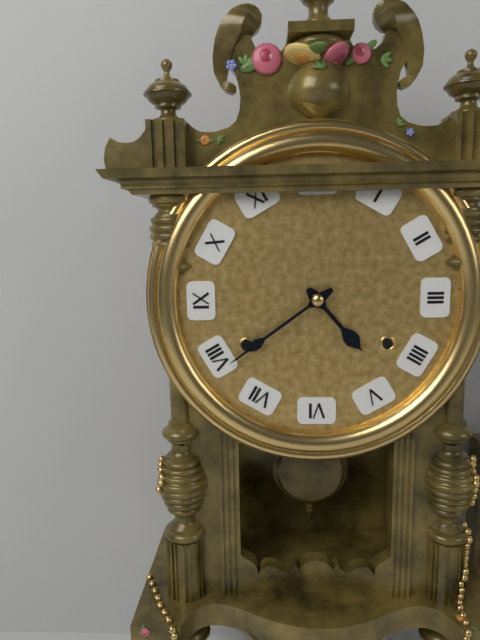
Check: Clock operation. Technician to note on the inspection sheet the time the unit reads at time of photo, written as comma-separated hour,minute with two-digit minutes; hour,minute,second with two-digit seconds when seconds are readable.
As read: 4,39
